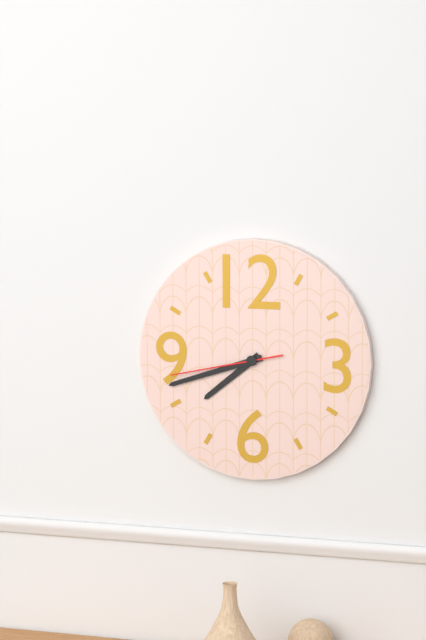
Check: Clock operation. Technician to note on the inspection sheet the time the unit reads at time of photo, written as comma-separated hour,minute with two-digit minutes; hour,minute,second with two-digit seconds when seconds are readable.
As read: 7,42,43
